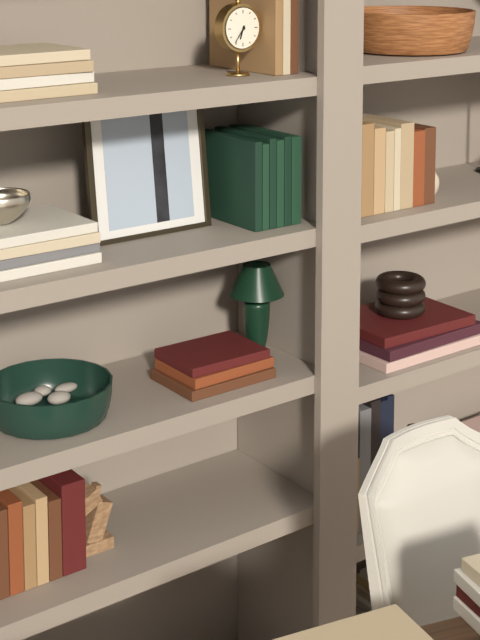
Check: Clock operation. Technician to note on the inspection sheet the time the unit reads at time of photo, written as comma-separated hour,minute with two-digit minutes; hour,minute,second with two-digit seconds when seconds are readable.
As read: 6,36
